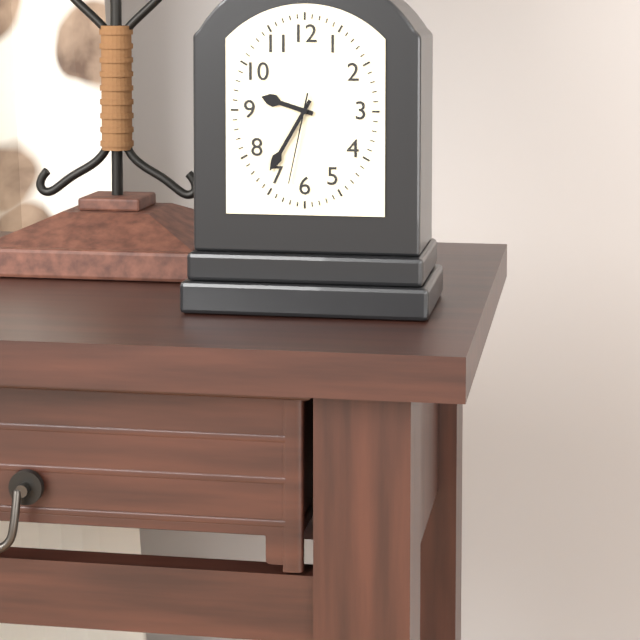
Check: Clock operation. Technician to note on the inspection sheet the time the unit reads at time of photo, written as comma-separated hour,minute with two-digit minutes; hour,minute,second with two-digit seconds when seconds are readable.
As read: 9,35,32
